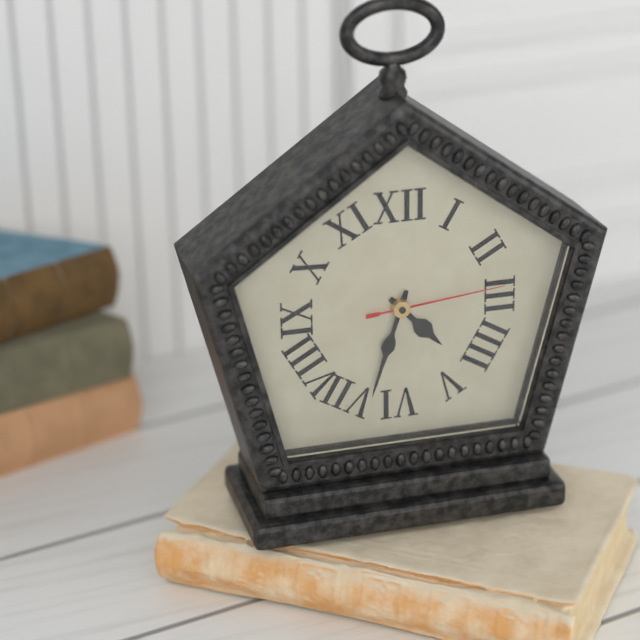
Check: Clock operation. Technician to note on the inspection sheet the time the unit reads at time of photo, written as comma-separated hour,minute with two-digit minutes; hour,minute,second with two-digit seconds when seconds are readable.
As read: 4,33,14
